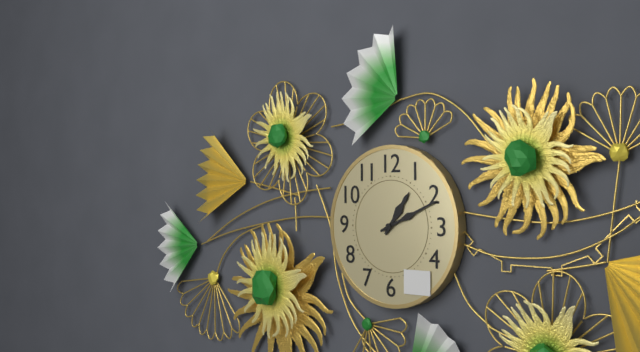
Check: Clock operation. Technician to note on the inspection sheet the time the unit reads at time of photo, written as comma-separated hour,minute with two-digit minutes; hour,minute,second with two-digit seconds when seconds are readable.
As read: 1,11
